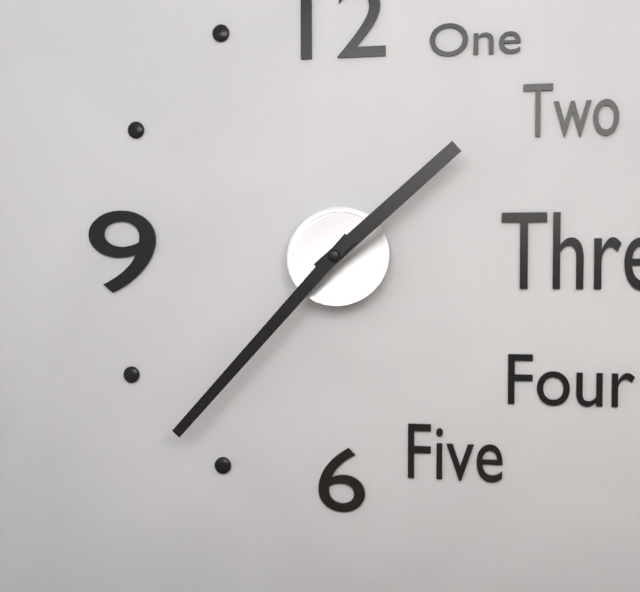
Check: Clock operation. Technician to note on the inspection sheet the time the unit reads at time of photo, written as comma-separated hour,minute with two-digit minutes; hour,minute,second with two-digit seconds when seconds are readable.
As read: 1,37
